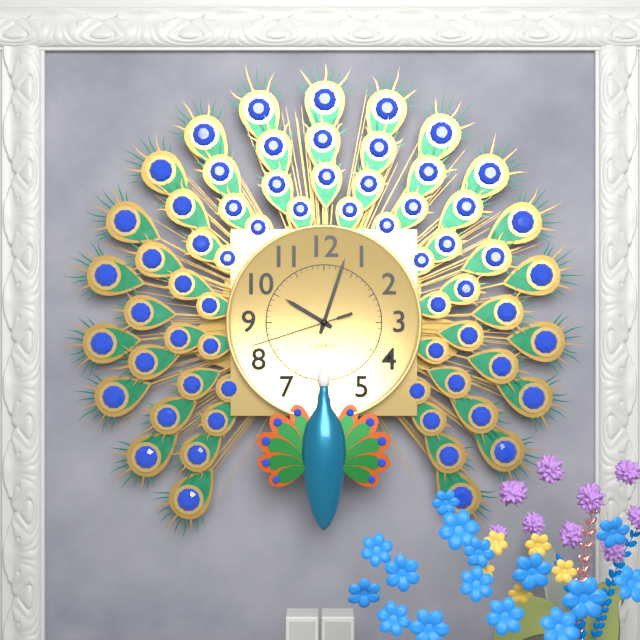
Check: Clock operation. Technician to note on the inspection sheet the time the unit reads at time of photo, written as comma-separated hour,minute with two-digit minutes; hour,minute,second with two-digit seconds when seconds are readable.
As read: 10,03,42
